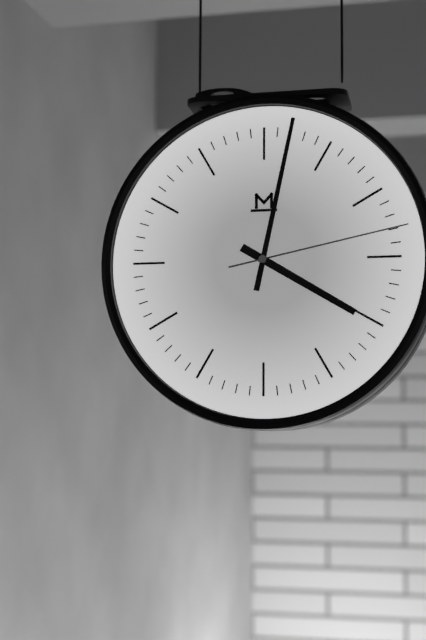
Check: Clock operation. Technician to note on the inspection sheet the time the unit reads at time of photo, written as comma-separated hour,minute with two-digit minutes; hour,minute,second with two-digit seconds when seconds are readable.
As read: 4,02,13
